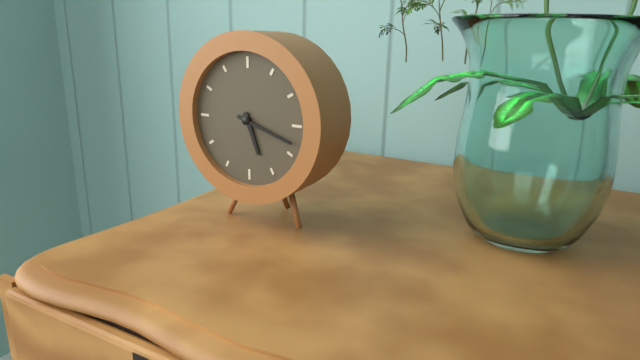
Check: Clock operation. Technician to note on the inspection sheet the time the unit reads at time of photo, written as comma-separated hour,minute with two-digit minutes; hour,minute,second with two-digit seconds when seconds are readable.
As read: 5,18
